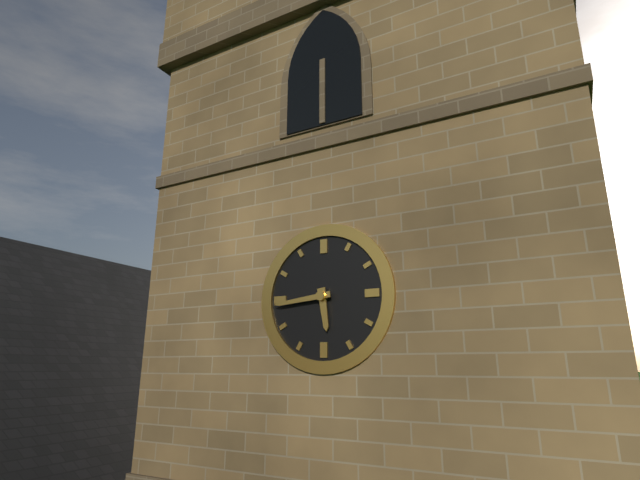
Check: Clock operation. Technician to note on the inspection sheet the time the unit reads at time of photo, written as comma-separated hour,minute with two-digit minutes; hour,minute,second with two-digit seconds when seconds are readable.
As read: 5,44
